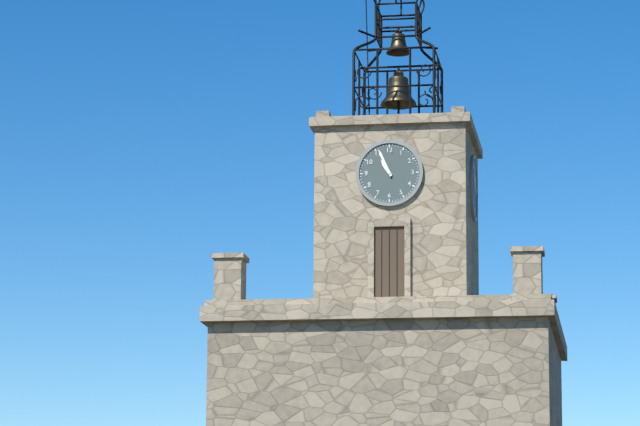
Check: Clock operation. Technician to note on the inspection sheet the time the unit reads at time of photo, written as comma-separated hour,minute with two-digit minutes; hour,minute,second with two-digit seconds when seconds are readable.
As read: 10,56
